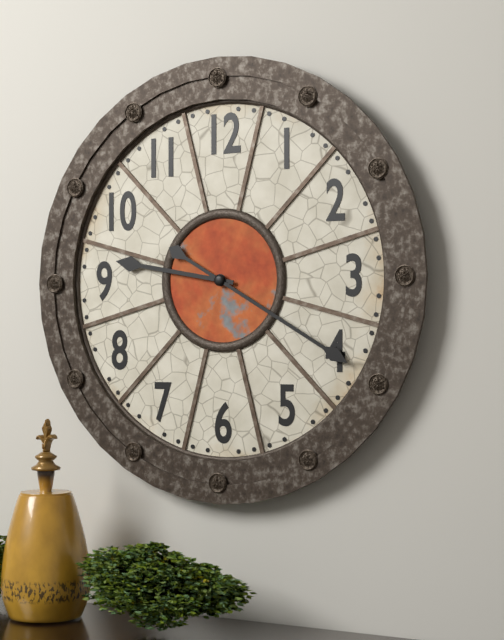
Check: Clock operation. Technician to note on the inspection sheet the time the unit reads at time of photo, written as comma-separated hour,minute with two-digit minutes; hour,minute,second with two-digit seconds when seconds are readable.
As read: 9,20
